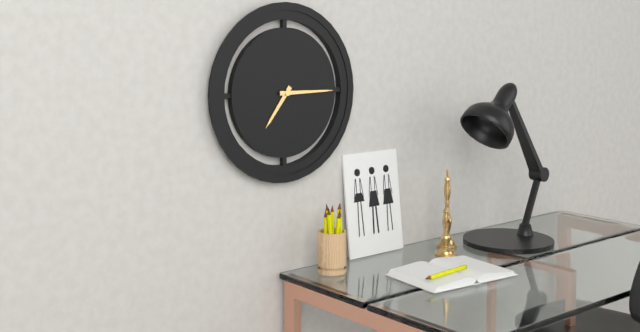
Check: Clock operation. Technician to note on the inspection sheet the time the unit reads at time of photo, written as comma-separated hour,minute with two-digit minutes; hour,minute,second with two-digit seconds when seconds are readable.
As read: 7,15
